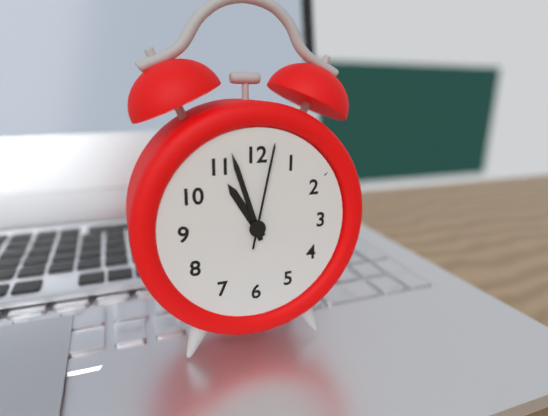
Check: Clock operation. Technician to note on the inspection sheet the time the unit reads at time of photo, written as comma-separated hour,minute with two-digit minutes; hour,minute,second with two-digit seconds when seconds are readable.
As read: 10,57,02
